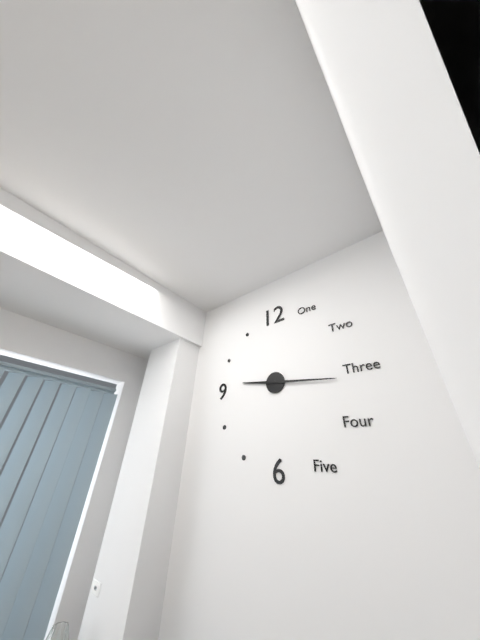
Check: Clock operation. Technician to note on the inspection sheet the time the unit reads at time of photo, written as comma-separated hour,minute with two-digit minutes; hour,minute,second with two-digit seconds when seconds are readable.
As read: 9,16
